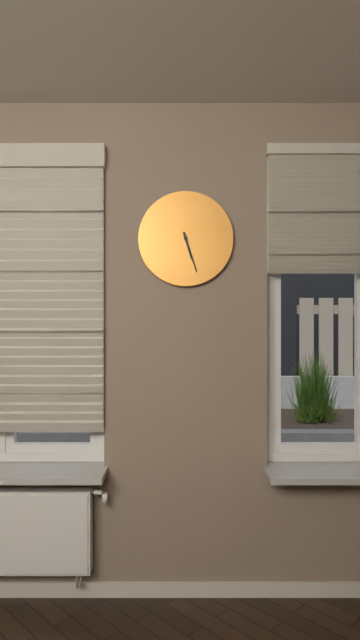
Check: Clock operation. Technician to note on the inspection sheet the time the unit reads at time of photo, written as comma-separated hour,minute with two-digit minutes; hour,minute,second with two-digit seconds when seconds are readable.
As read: 5,27
